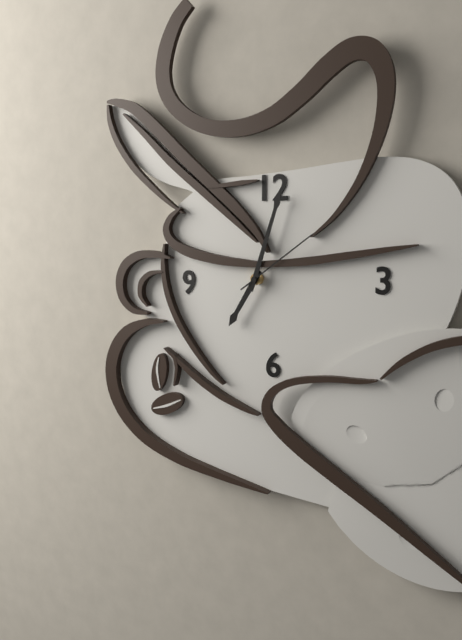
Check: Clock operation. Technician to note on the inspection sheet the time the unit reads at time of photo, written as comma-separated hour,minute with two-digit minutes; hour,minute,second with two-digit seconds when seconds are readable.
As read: 7,03,09
